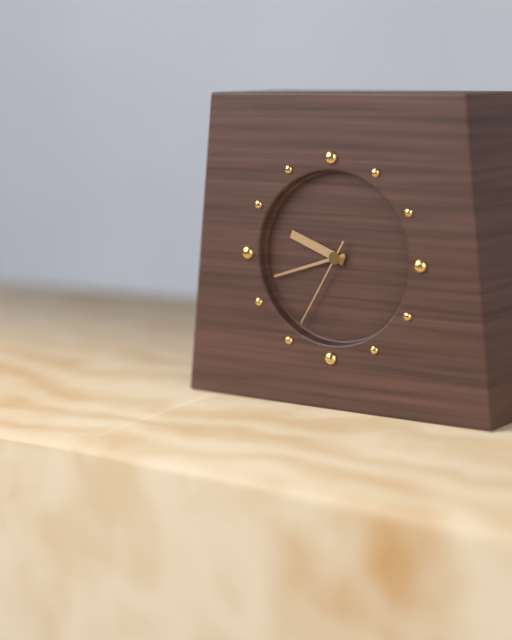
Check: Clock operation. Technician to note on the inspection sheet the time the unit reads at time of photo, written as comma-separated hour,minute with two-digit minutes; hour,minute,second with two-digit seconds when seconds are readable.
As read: 9,42,35
